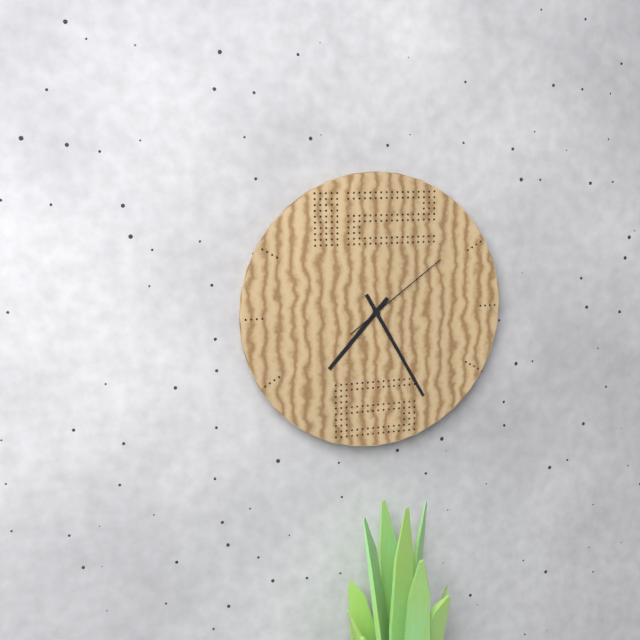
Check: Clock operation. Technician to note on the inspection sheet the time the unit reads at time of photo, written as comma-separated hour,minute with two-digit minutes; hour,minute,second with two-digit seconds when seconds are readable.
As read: 7,25,09
